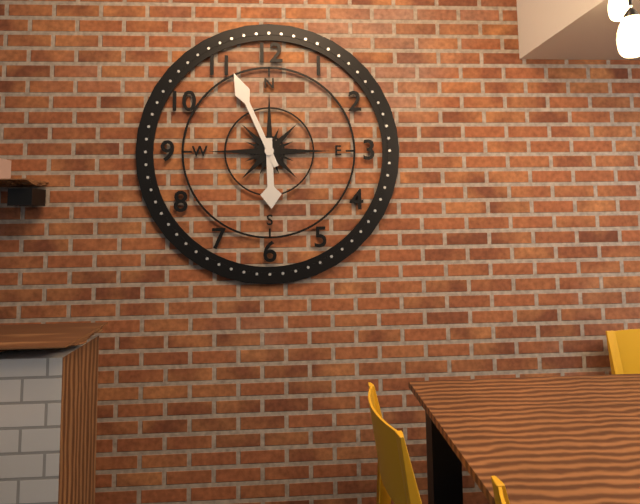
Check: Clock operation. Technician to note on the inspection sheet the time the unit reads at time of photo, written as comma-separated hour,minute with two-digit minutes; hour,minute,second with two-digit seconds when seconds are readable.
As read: 5,56
